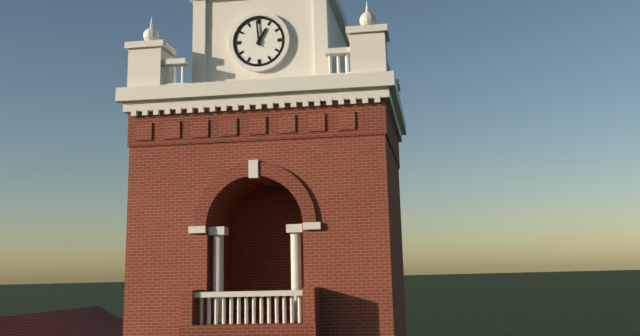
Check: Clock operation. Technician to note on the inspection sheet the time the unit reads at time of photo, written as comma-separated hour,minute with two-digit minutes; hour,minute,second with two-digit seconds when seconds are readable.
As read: 12,59
